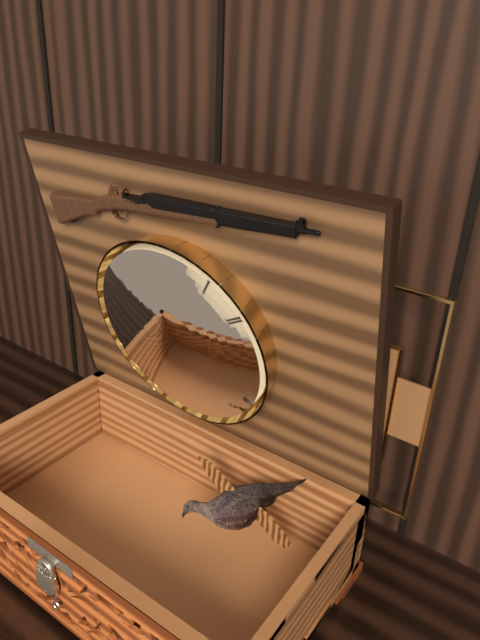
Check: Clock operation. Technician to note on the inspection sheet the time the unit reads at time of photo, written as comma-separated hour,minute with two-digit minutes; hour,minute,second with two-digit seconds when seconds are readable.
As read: 7,41,32
